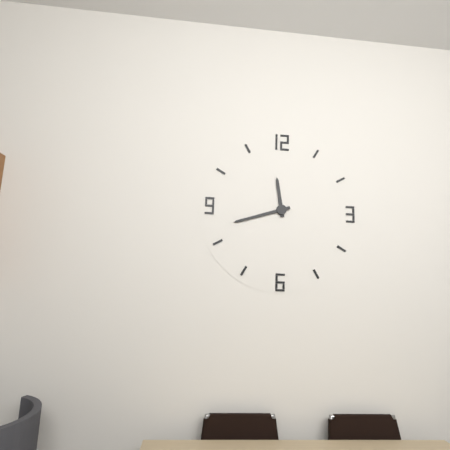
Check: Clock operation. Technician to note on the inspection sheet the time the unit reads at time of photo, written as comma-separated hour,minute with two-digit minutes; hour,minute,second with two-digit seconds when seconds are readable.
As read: 11,42
